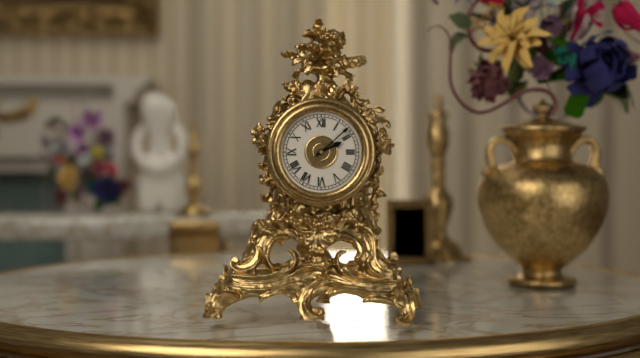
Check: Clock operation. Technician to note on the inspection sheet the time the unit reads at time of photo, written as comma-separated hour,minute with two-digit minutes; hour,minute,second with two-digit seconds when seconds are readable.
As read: 2,08
